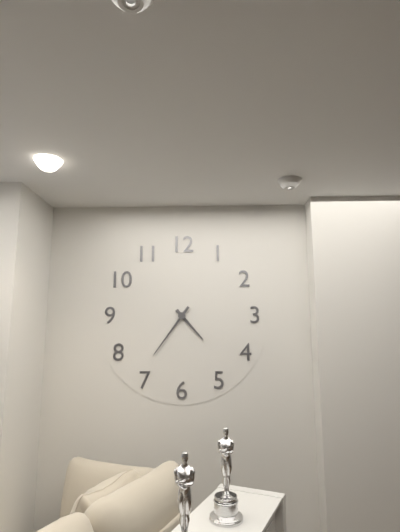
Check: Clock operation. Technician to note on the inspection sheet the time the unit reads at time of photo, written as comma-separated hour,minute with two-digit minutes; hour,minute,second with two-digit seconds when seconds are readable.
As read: 4,36
